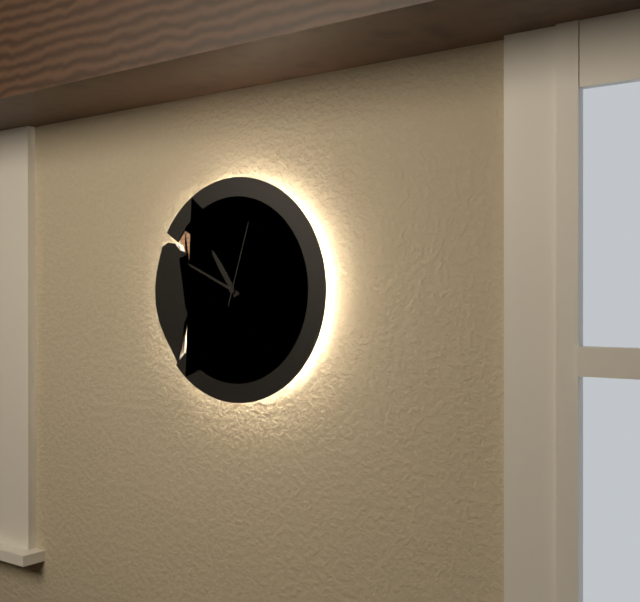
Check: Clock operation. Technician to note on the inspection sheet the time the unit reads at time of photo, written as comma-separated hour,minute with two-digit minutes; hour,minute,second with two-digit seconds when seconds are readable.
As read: 10,49,03
